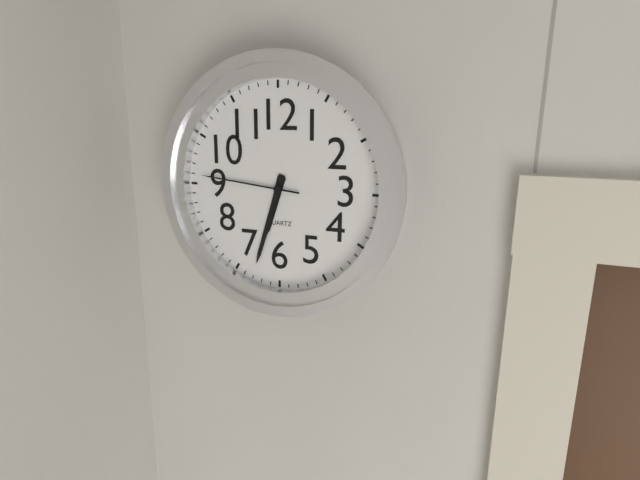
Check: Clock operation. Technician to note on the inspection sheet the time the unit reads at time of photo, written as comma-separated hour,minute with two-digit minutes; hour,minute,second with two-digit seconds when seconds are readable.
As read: 6,33,46
